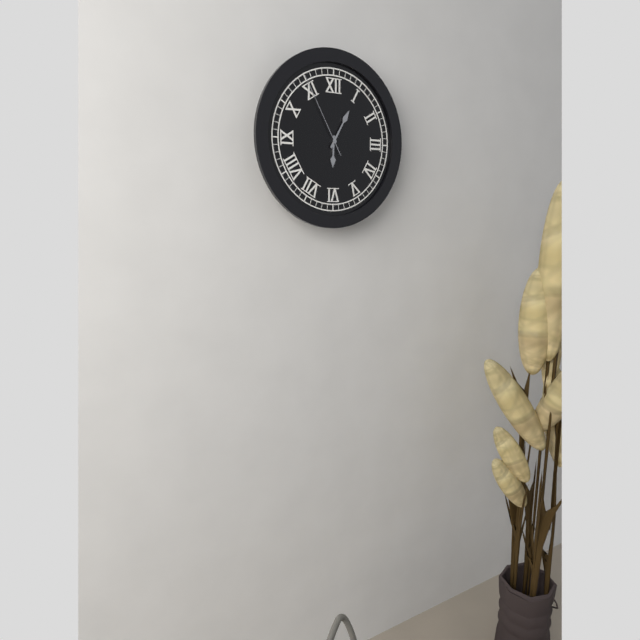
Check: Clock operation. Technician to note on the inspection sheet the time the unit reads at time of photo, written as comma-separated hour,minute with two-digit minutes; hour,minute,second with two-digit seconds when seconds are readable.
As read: 6,05,55
